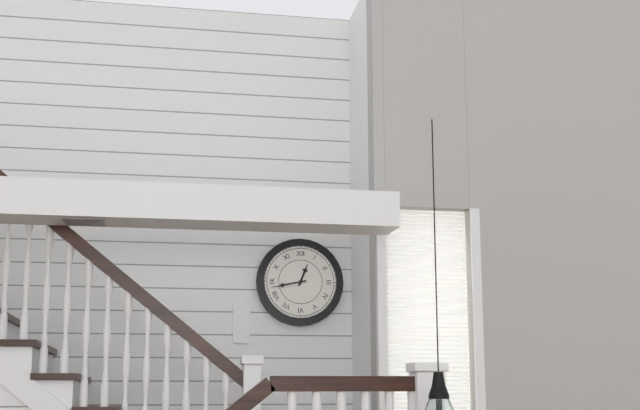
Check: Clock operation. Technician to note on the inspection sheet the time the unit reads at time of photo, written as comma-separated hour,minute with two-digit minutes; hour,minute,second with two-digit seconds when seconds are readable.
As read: 12,43
